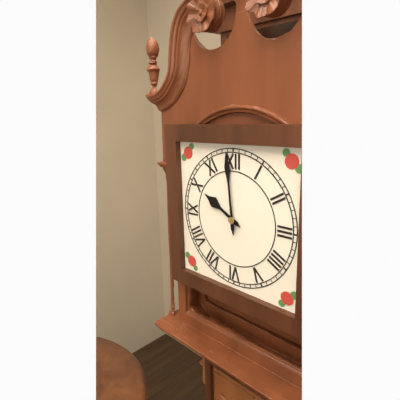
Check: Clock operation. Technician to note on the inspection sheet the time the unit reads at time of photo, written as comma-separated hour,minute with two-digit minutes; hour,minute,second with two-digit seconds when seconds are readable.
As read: 9,59
